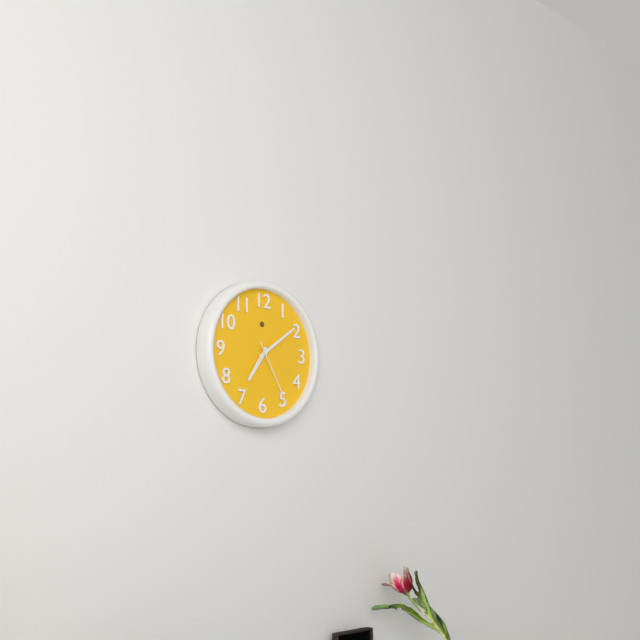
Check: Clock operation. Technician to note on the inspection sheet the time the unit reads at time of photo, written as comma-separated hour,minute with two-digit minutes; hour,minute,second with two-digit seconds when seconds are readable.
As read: 7,09,25
